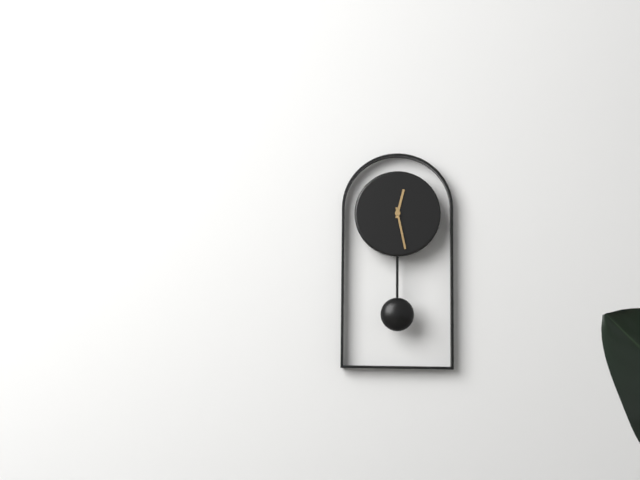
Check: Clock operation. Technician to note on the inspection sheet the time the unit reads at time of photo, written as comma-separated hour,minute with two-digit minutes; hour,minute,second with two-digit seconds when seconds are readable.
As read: 12,28
